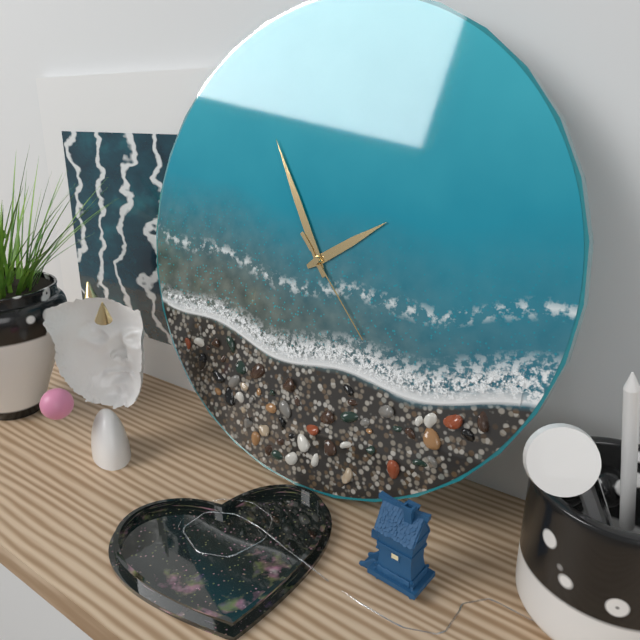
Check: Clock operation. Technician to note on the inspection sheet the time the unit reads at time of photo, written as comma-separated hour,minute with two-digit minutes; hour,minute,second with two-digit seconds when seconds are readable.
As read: 1,55,23
